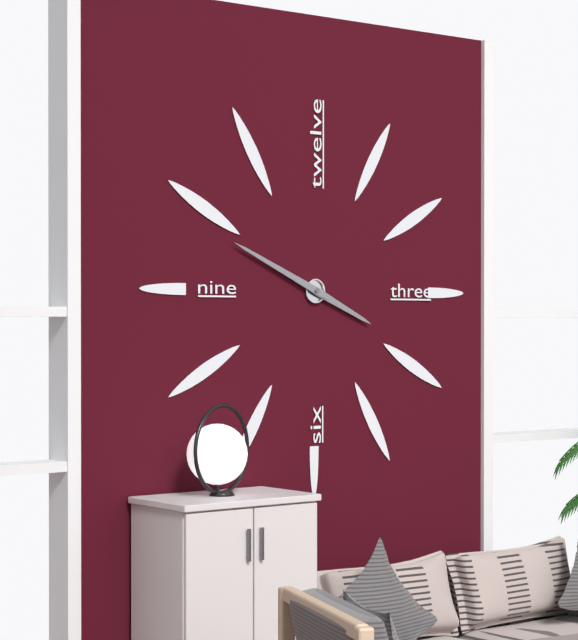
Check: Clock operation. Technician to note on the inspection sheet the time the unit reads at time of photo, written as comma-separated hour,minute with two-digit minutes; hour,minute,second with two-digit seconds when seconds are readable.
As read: 3,49
